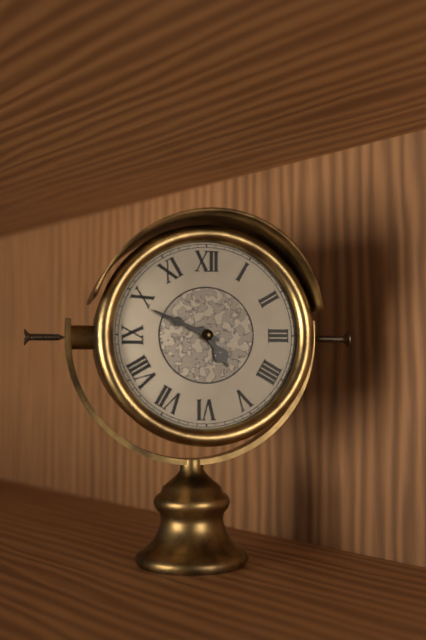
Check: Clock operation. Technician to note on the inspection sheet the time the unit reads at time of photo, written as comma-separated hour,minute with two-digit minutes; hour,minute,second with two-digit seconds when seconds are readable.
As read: 4,49
